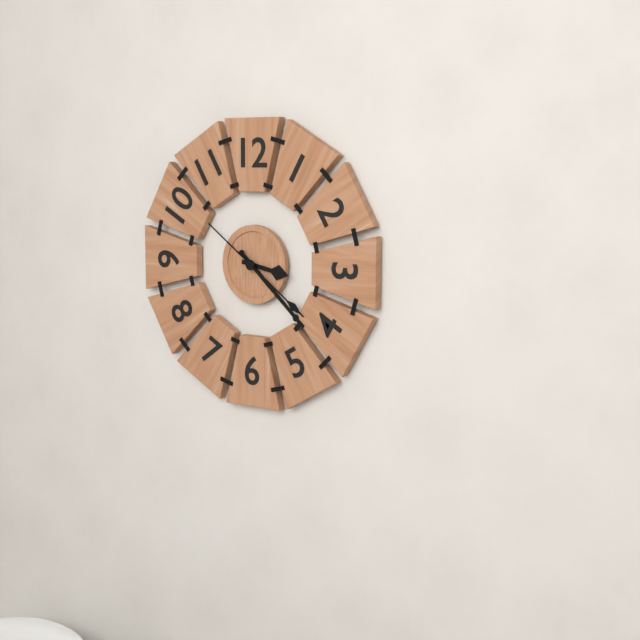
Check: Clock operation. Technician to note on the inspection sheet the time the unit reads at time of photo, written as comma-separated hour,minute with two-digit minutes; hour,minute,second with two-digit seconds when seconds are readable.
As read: 3,22,21
